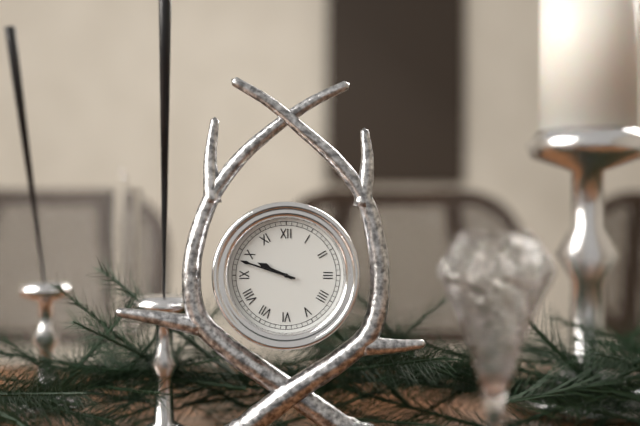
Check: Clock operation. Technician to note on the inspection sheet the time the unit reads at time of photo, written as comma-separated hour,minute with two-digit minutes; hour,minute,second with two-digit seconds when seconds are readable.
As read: 9,48
